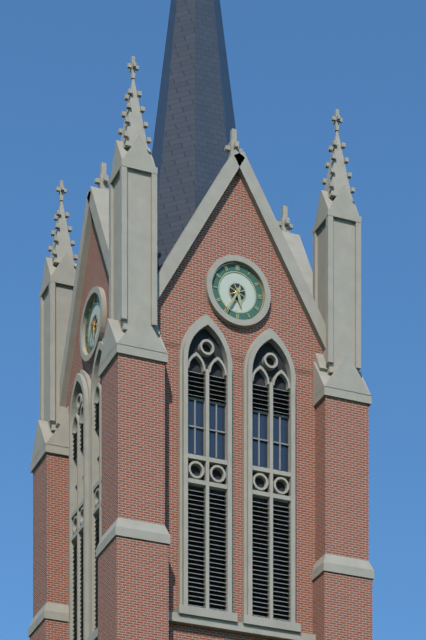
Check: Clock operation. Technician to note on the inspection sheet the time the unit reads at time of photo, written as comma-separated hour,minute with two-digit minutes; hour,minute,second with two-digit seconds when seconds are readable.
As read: 5,35
